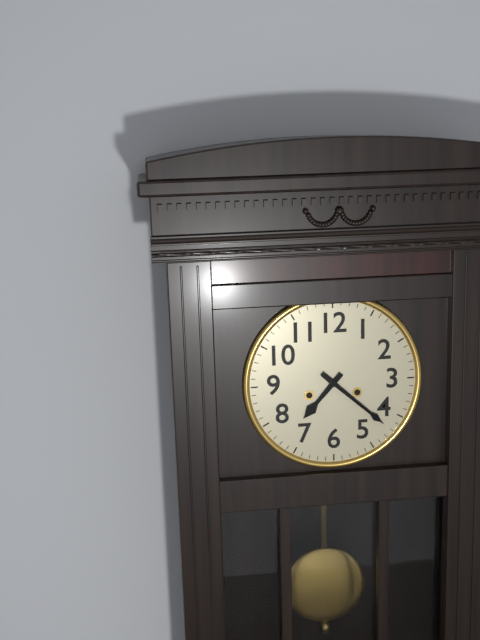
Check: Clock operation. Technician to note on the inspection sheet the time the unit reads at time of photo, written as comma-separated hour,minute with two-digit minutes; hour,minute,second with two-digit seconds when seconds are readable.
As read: 7,22
